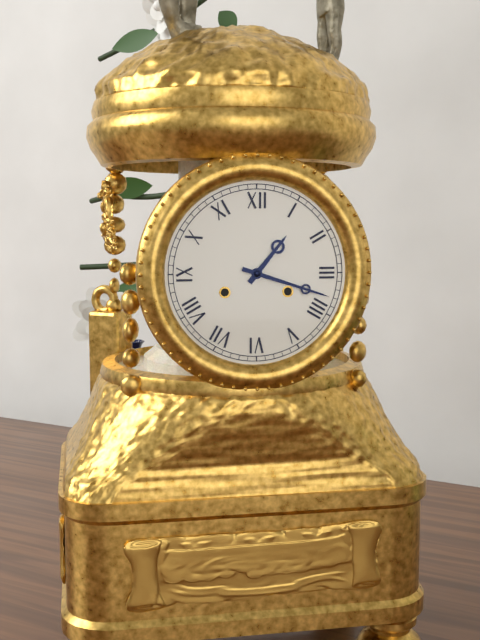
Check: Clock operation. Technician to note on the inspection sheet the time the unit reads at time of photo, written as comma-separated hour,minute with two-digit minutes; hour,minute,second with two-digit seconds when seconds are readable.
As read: 1,18
